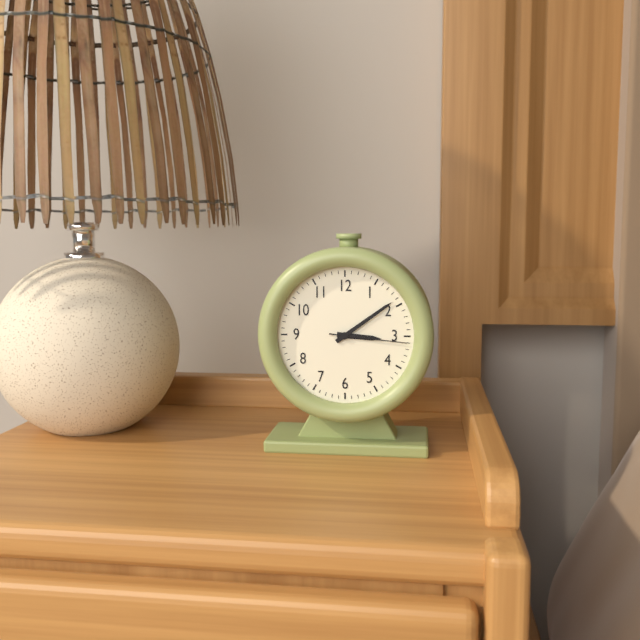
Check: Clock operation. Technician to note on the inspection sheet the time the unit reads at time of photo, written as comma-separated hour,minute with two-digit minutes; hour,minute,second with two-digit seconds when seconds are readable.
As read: 3,09,16
